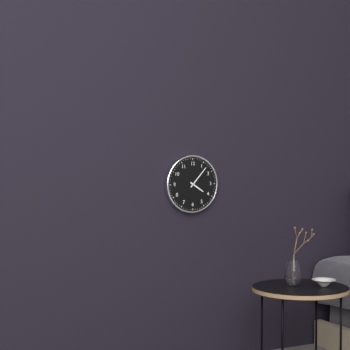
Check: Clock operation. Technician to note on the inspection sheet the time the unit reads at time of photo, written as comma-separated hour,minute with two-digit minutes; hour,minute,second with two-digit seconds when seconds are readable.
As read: 4,07
